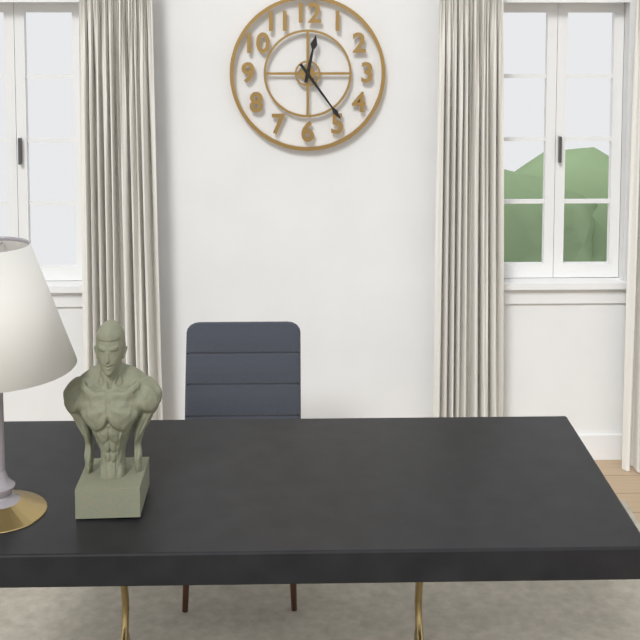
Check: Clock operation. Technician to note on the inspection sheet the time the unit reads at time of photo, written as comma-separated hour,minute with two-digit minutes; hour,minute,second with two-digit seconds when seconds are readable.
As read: 12,24
